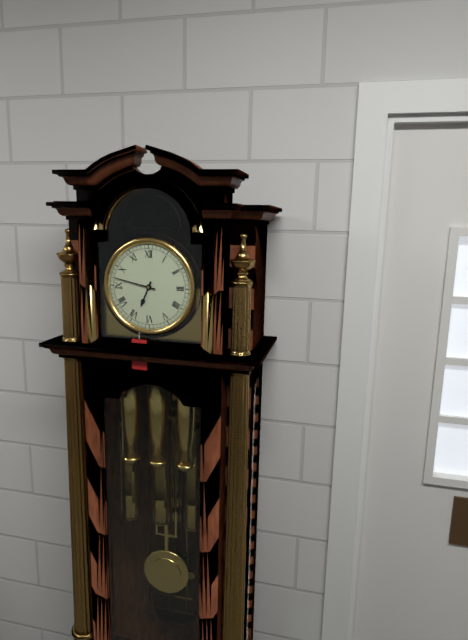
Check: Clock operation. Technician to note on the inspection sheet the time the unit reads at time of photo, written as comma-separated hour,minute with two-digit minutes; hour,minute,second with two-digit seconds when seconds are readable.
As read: 6,47
